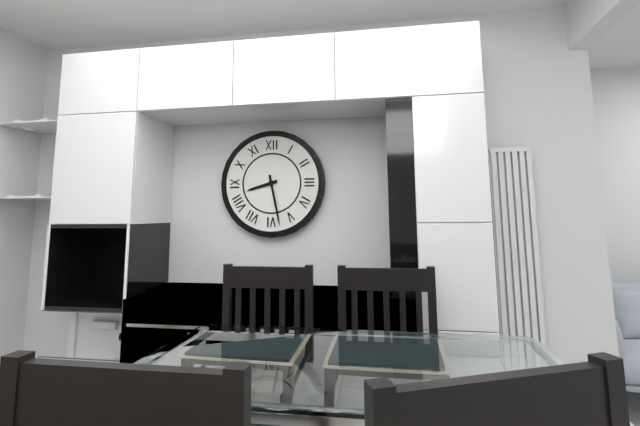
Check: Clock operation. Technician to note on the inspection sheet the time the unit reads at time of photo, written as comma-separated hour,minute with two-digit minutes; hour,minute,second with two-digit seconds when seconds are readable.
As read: 8,28
